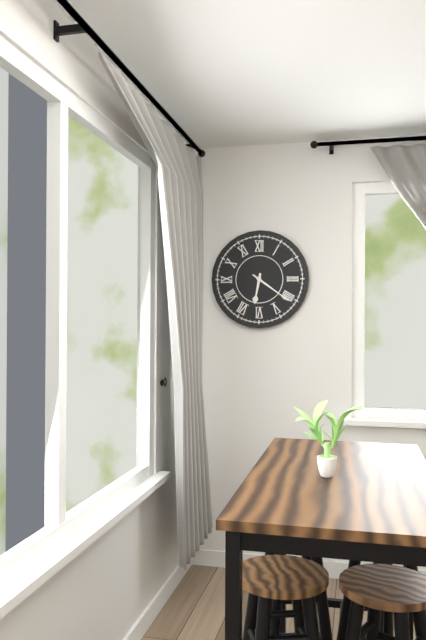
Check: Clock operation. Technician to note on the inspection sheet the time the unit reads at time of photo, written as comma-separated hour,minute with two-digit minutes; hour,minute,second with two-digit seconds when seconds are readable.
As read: 6,21
